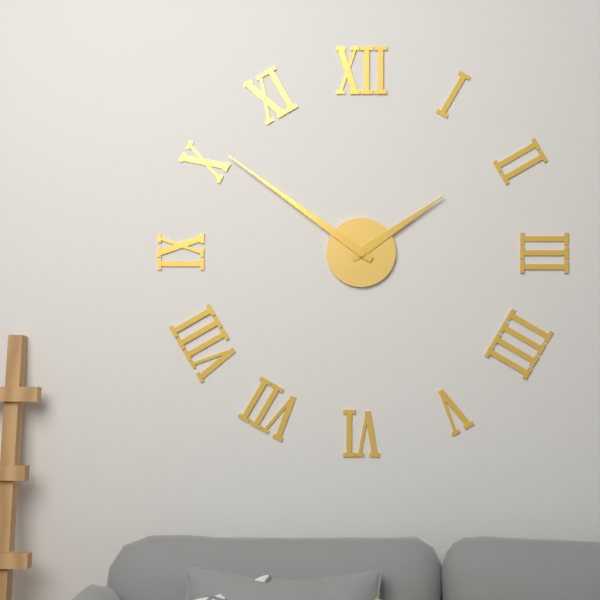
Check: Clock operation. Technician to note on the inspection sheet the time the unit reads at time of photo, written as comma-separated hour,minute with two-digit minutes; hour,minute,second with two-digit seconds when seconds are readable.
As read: 1,51
